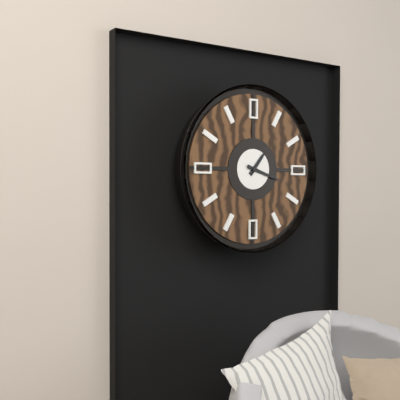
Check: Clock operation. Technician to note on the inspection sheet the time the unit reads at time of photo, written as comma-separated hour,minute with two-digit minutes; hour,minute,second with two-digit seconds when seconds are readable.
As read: 1,18
